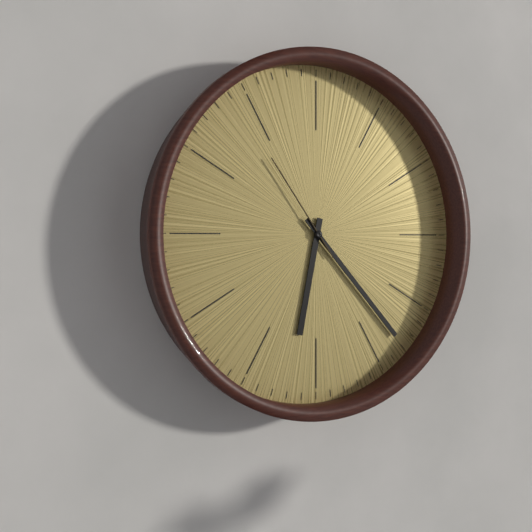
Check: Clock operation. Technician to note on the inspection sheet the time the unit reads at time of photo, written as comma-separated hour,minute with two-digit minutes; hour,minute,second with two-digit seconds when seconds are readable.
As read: 6,23,54
